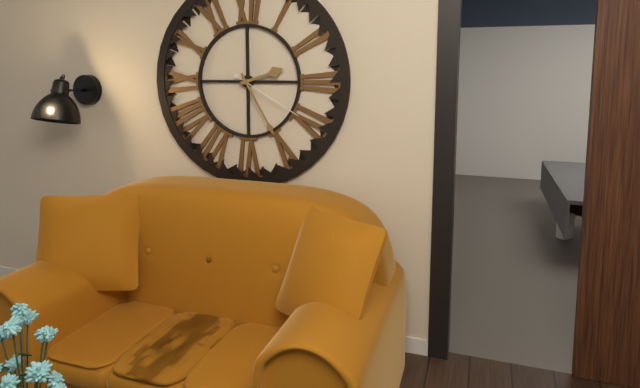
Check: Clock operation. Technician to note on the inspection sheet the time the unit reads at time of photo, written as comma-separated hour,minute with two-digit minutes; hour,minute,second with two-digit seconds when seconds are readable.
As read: 2,25,20
